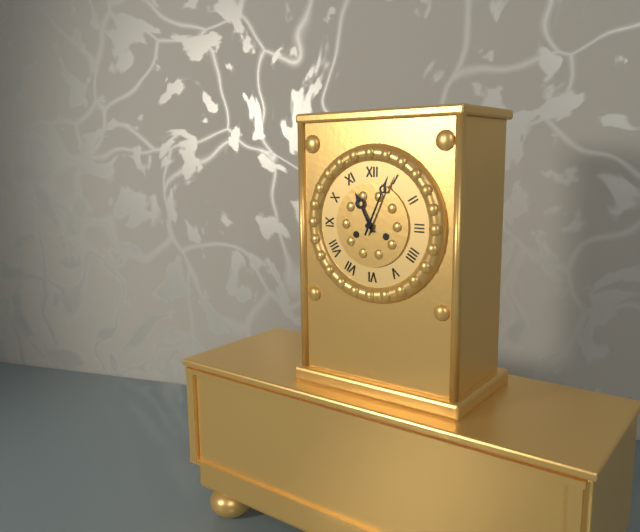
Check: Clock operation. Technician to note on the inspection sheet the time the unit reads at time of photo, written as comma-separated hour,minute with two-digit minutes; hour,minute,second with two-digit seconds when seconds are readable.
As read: 11,04
